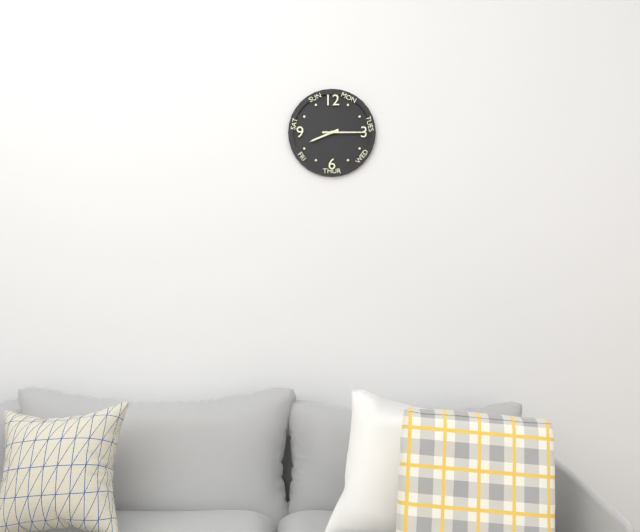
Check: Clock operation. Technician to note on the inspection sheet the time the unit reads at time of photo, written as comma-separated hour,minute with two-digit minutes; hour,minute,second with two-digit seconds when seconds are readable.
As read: 8,15
